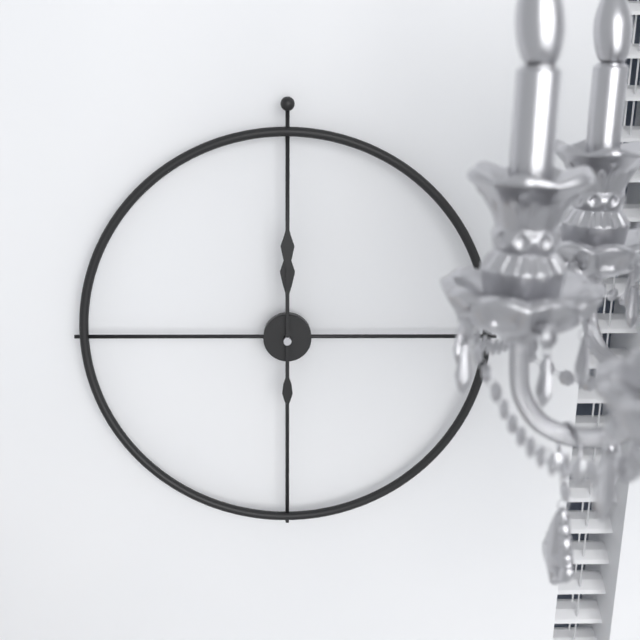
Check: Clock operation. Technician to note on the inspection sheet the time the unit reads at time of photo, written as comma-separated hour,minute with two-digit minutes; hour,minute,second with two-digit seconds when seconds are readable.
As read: 12,00
